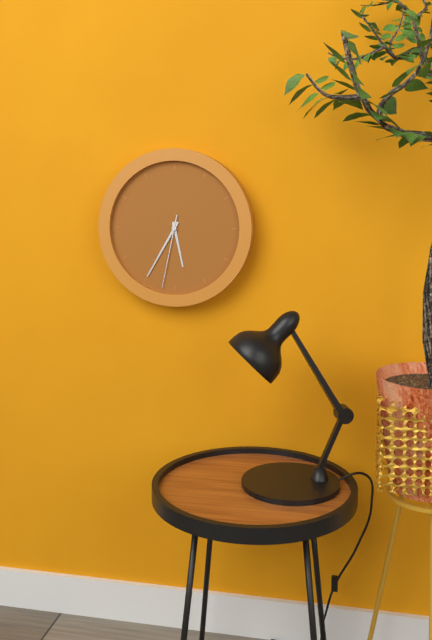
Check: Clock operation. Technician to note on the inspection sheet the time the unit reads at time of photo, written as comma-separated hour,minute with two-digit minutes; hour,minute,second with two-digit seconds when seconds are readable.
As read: 5,35,32
